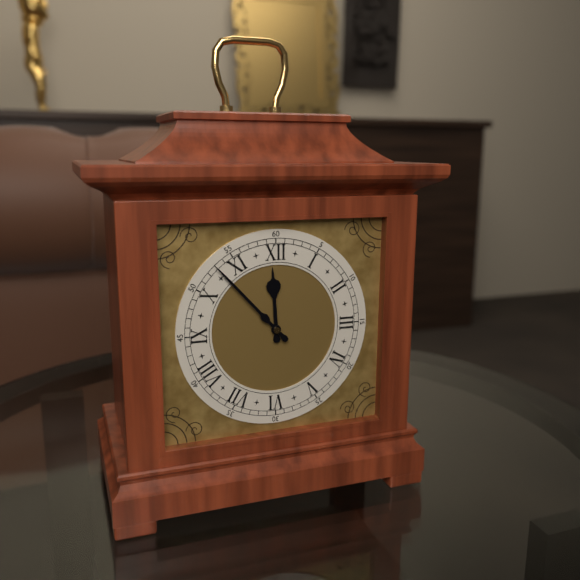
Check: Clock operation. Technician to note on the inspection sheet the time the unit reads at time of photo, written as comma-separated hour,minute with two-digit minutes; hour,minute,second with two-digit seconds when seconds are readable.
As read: 11,53
